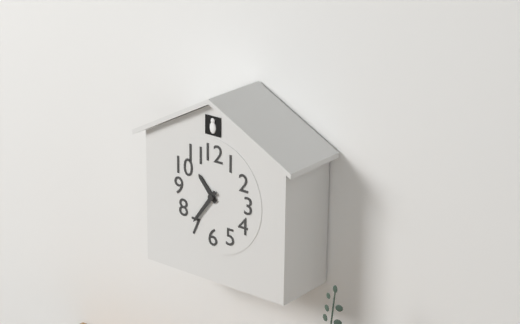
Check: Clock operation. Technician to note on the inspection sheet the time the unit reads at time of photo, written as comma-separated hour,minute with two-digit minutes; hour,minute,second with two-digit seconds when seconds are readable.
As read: 10,36
